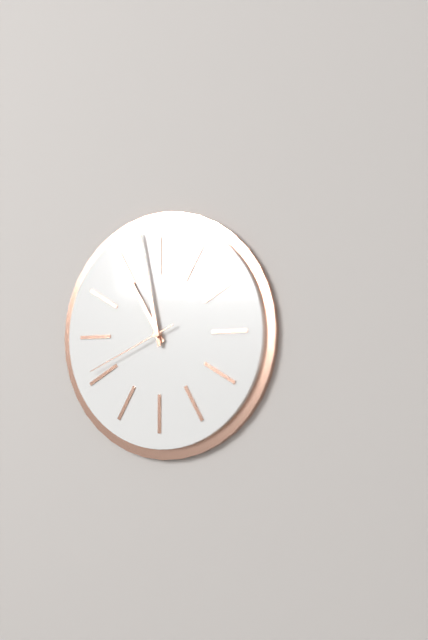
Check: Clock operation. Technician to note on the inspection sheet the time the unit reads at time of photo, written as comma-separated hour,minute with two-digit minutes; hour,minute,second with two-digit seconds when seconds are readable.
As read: 10,58,41
